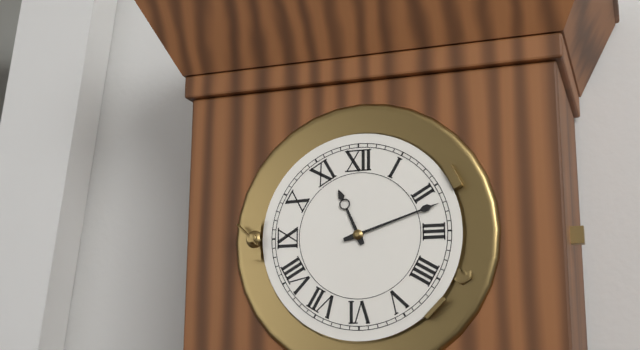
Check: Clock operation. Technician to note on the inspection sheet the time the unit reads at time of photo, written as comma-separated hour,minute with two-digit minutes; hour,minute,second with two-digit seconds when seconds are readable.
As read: 11,12
